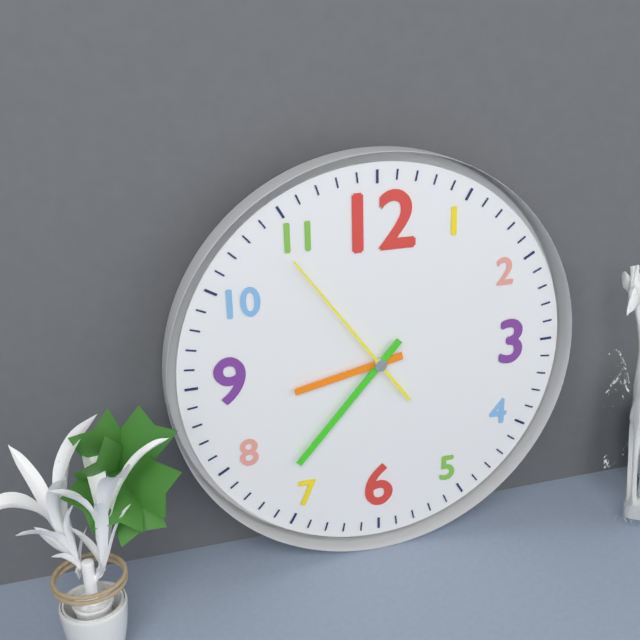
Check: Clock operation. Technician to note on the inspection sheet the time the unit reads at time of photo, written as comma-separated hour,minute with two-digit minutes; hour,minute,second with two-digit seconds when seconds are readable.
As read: 8,37,54
